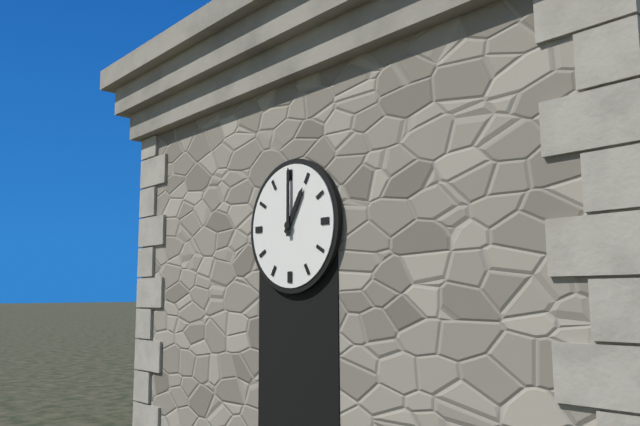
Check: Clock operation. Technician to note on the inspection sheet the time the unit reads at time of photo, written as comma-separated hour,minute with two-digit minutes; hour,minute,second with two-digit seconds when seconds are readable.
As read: 1,00
